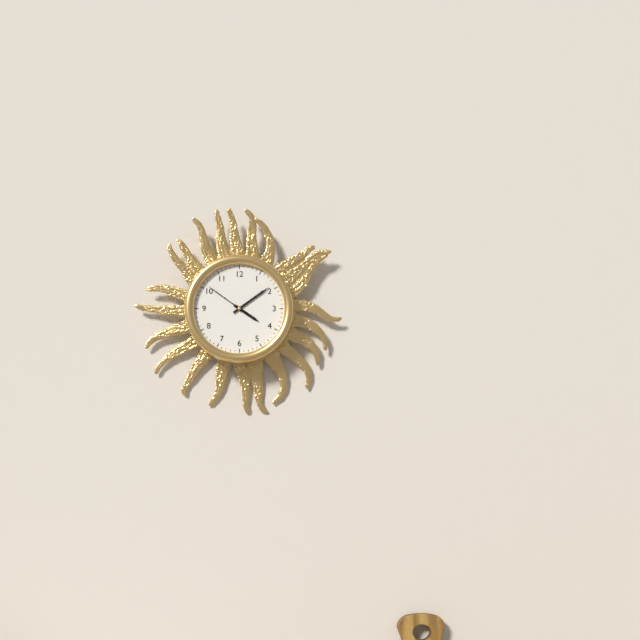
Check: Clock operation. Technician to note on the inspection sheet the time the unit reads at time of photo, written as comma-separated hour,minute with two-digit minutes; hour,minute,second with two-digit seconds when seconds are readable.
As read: 4,09,51
